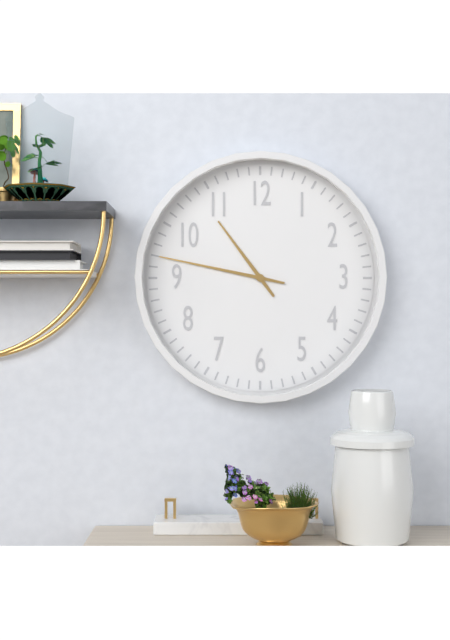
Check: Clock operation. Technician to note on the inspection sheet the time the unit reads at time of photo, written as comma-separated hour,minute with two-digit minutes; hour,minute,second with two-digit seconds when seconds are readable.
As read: 10,47
